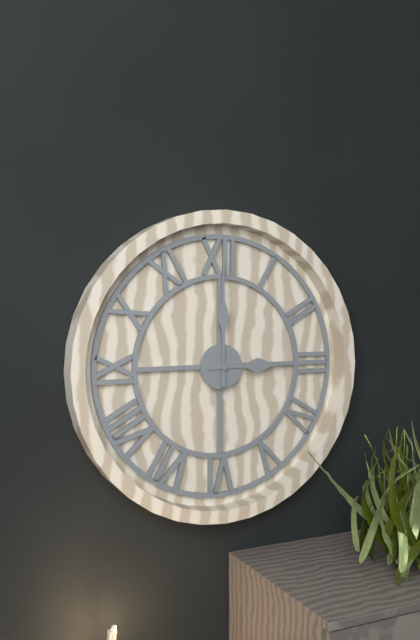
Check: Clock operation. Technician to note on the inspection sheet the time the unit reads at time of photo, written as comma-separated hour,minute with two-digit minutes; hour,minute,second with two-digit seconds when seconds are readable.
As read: 3,00
